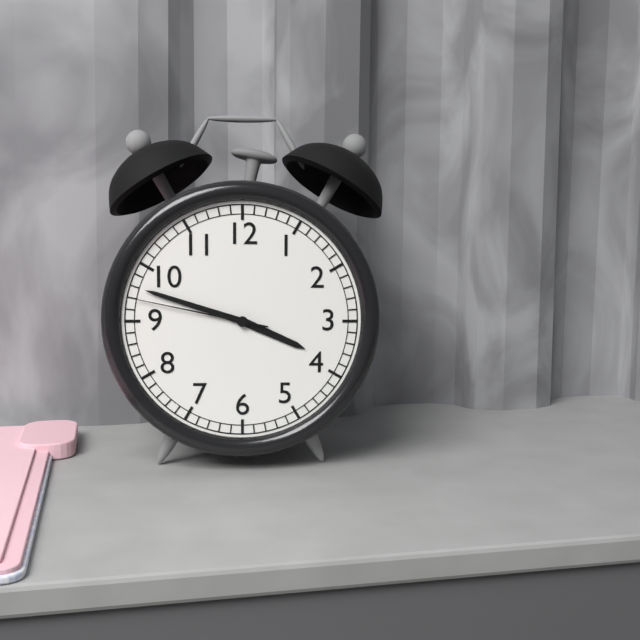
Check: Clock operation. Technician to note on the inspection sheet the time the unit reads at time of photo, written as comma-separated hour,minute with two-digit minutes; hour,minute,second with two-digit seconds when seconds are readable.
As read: 3,48,47
